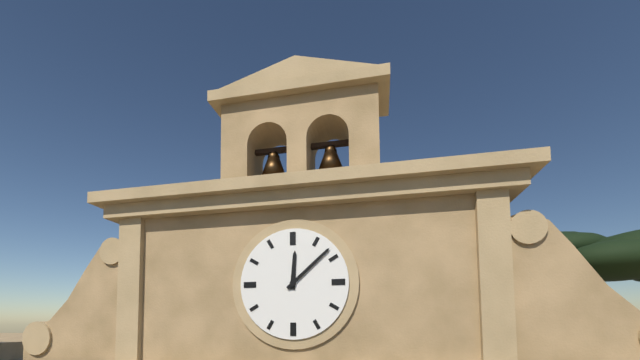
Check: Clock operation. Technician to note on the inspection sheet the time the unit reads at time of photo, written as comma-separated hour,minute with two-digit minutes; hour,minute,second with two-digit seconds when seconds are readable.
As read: 12,08
